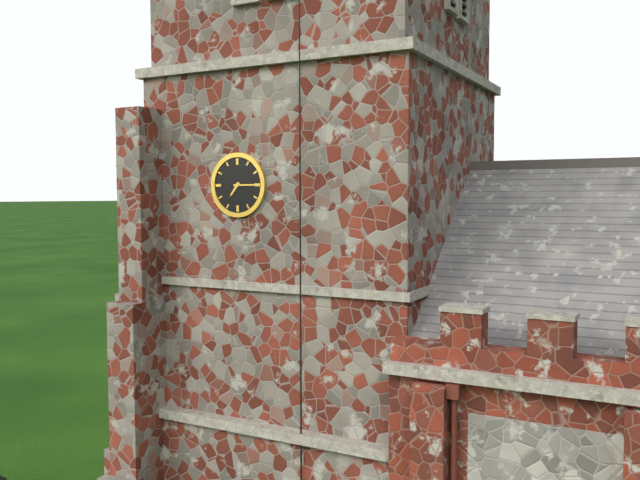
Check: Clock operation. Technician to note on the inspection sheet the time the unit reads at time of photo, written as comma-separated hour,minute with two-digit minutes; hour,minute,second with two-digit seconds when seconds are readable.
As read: 7,15
